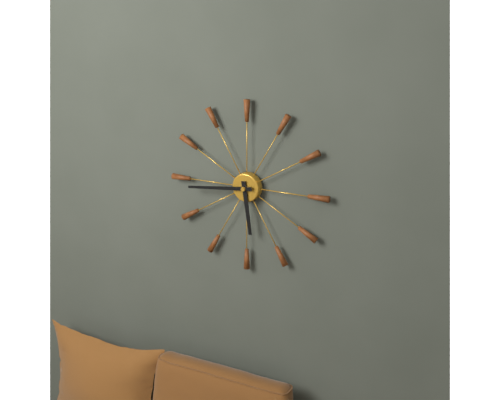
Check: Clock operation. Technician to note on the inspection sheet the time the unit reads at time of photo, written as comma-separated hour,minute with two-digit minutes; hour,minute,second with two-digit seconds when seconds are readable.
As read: 5,44
